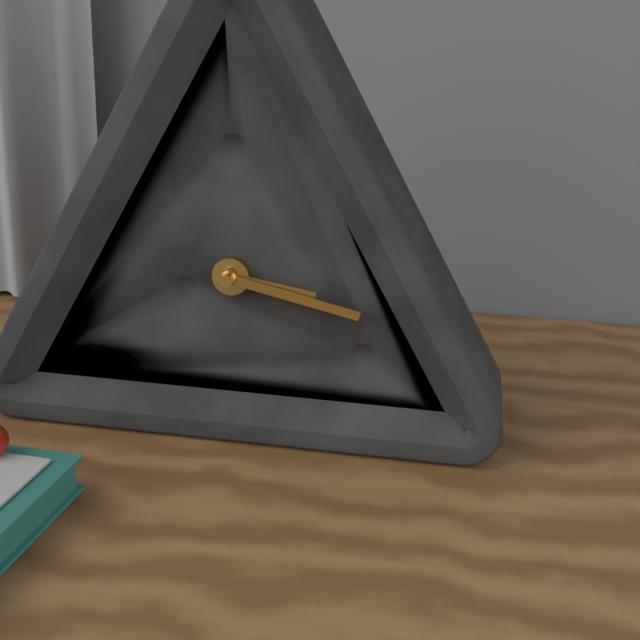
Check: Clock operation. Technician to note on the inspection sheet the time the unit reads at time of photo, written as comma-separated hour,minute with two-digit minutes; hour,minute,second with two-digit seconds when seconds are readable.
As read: 3,17
